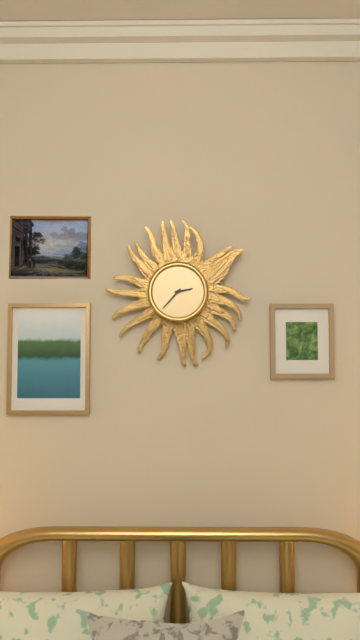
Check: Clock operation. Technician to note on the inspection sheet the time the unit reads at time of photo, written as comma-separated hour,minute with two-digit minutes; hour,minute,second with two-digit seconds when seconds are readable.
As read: 2,37
